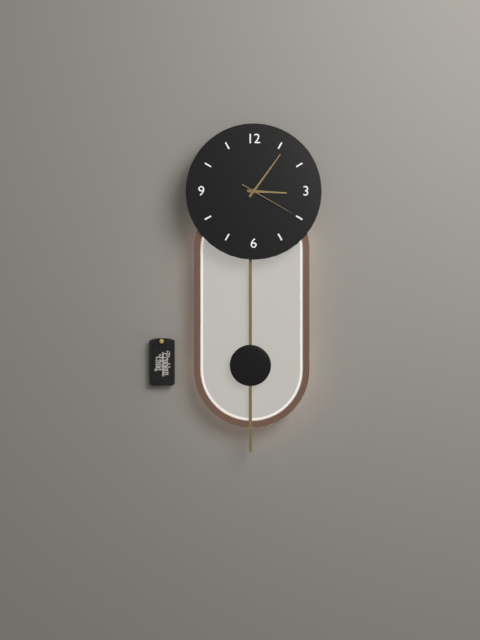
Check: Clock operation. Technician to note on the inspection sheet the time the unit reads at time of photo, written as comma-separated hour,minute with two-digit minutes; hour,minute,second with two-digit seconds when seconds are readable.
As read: 3,06,20
